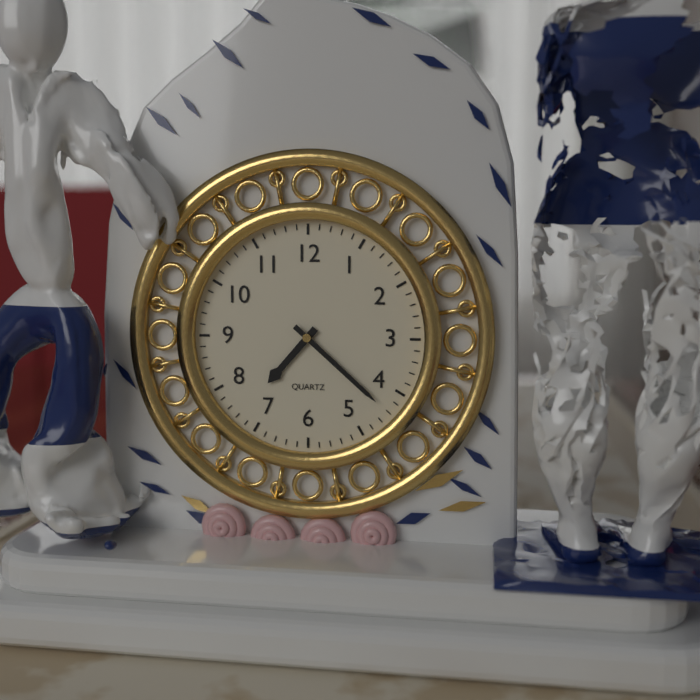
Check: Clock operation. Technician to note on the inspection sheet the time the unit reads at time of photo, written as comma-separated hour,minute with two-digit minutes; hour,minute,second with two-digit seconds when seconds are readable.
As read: 7,22
